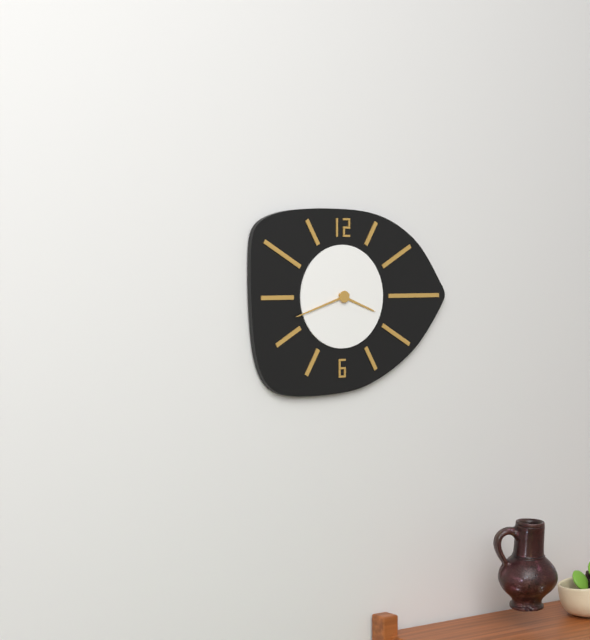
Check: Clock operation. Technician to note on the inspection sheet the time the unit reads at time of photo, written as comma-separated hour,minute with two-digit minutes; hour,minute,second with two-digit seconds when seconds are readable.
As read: 3,42
